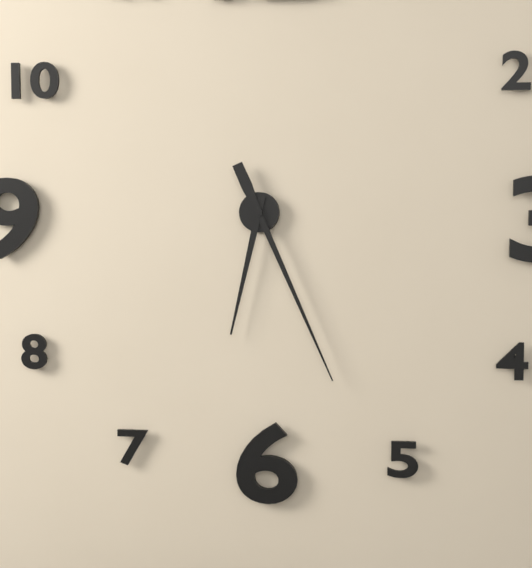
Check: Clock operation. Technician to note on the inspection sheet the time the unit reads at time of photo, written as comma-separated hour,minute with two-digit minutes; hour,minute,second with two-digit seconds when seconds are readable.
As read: 6,26
